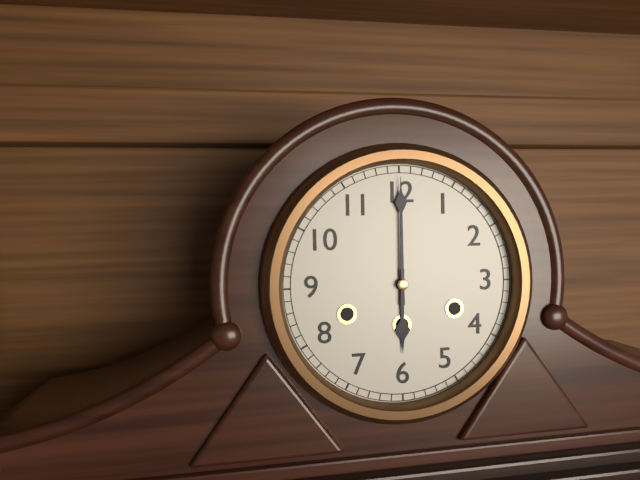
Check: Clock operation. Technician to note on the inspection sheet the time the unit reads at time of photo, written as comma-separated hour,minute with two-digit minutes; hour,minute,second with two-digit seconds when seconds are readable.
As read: 6,00
